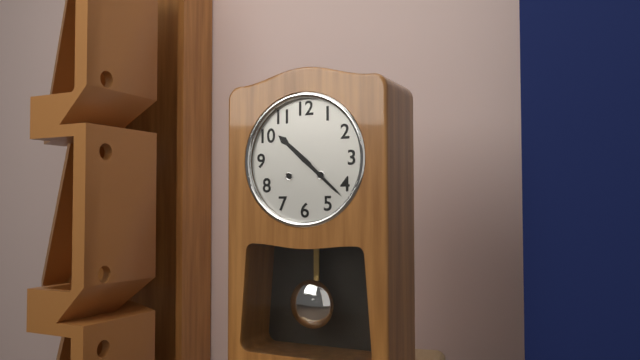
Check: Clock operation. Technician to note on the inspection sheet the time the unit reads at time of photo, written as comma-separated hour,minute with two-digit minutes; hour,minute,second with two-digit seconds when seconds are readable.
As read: 10,22
